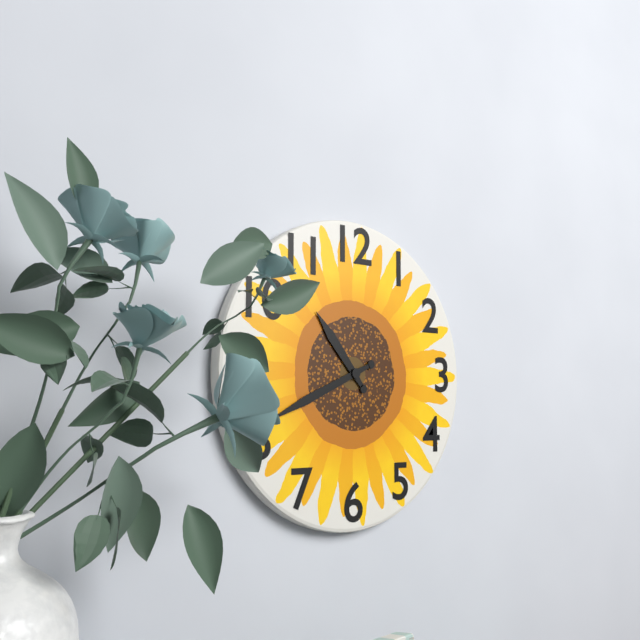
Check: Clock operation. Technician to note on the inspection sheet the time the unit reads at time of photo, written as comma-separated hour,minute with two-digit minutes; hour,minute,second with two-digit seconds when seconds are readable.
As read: 10,41
